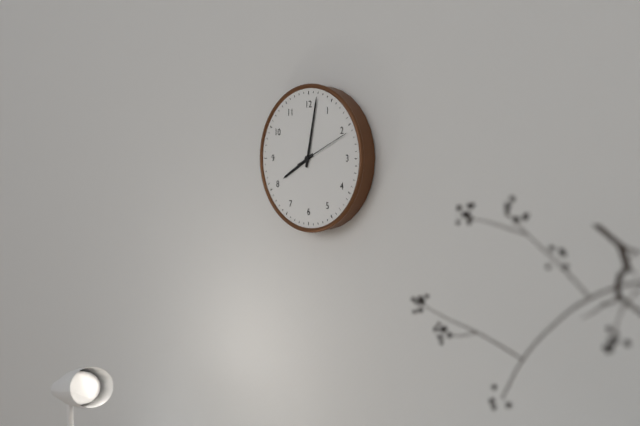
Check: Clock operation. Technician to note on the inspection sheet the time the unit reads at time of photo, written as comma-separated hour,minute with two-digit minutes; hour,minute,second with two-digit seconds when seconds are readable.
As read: 8,02,11
